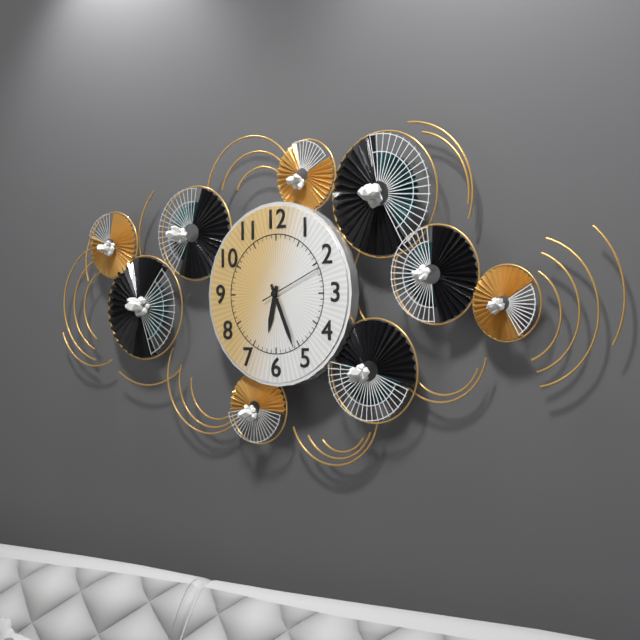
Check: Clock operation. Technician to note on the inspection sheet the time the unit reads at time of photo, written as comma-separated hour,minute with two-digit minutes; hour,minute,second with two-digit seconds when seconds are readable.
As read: 6,26,11
